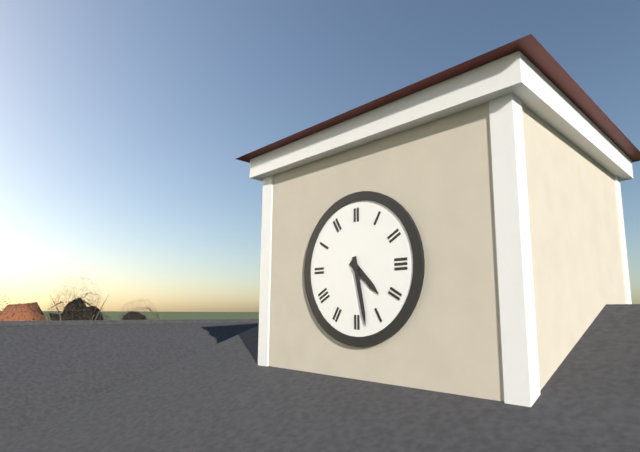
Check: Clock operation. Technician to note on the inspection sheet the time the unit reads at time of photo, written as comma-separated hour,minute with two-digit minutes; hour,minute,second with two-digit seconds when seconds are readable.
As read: 4,28
